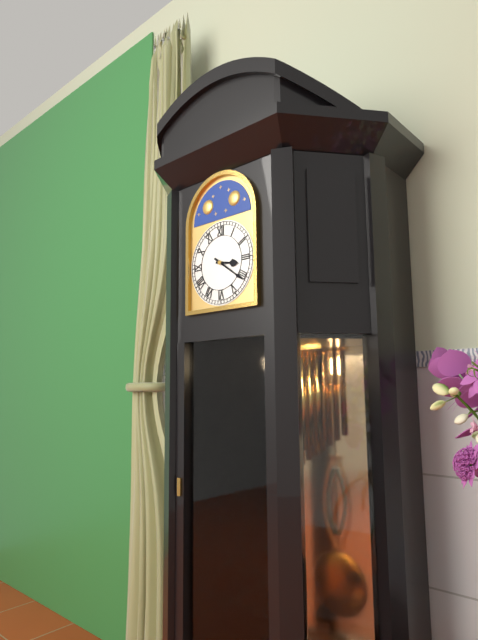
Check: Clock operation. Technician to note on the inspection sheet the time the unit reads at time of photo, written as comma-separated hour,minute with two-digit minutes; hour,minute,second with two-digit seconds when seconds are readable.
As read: 3,21
